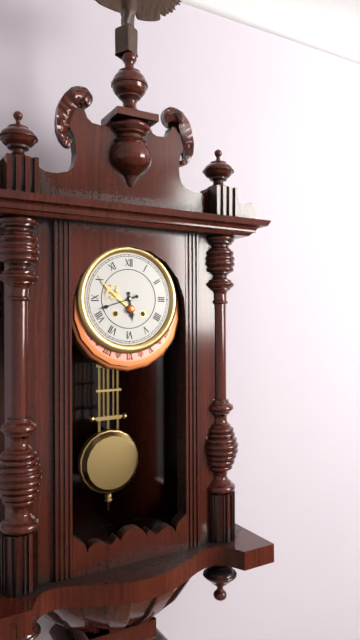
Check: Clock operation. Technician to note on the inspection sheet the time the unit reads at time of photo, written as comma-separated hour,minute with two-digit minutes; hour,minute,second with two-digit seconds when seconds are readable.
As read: 5,42
